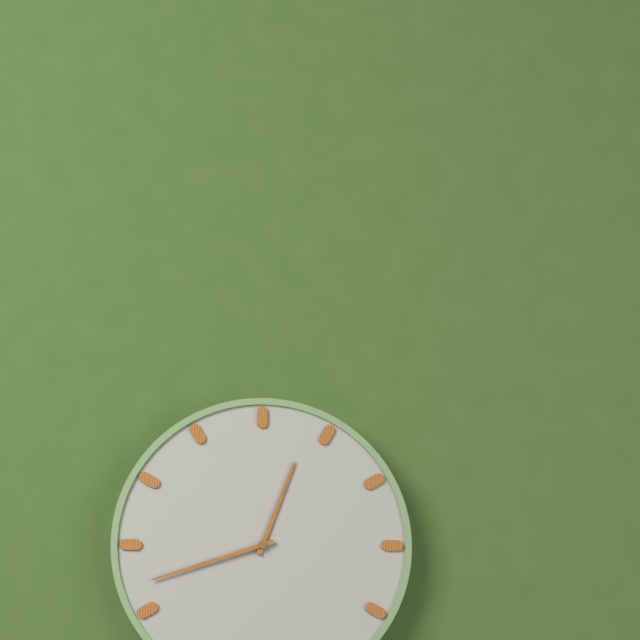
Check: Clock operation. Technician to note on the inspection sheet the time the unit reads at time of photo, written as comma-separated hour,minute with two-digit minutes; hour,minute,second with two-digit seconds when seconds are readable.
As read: 12,42
